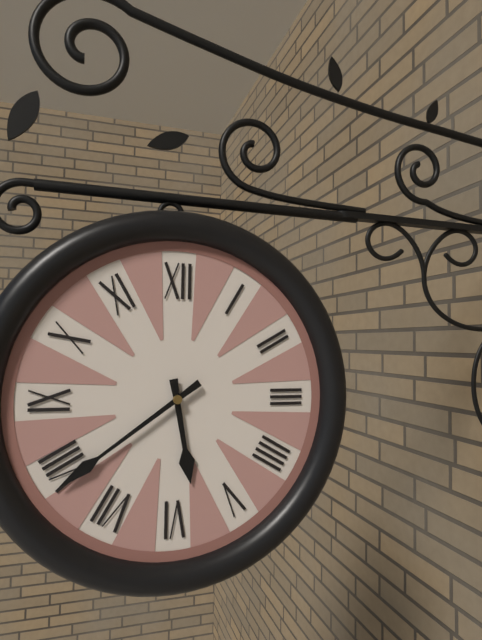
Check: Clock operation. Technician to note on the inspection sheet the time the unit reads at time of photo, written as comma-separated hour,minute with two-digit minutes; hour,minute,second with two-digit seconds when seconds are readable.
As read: 5,39
